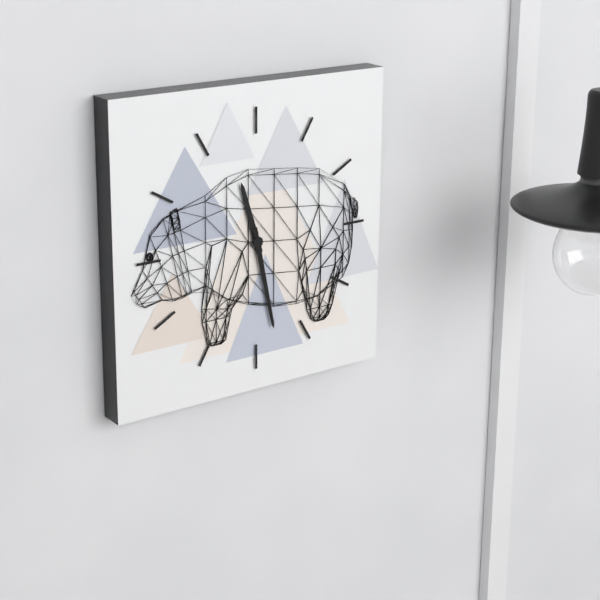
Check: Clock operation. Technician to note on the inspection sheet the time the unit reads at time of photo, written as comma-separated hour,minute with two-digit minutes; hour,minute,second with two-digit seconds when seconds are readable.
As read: 11,28
